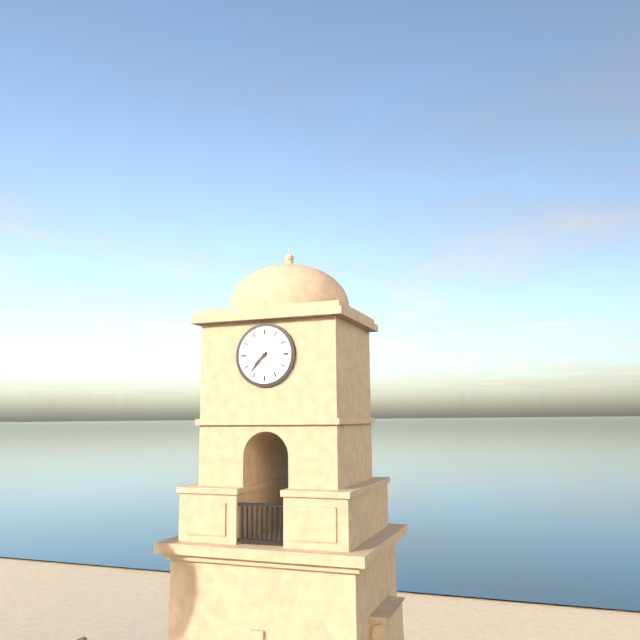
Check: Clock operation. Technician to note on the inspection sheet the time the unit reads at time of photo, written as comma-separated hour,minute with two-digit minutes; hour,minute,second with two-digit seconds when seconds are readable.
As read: 7,37
